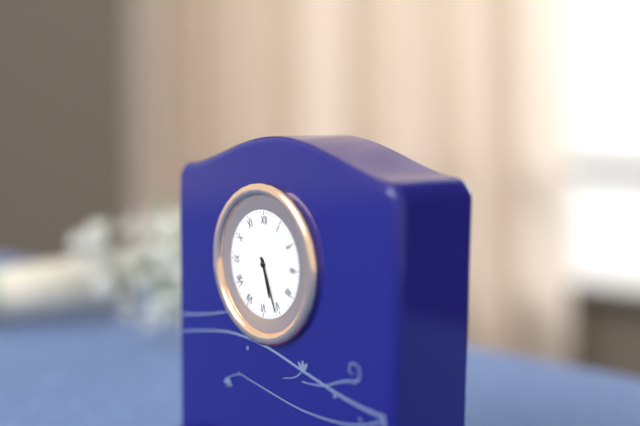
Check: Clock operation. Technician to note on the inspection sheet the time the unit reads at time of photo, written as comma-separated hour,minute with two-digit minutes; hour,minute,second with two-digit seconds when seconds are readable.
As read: 5,26
